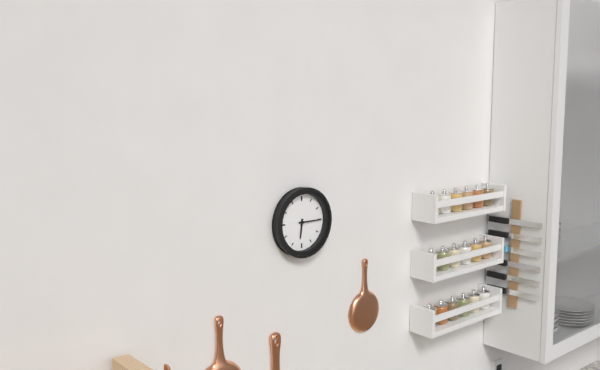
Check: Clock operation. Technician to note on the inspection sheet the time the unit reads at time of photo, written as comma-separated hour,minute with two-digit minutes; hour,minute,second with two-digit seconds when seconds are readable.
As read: 6,15
